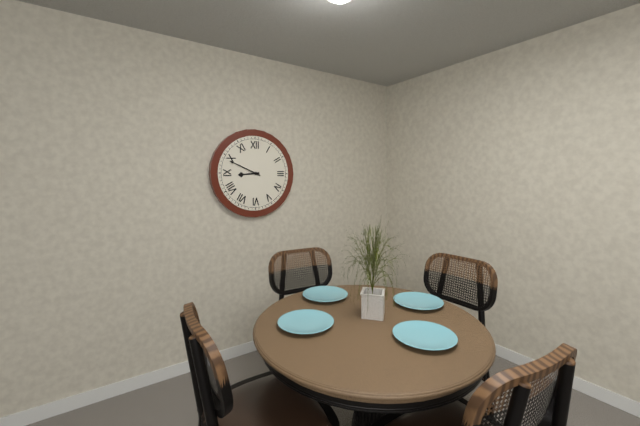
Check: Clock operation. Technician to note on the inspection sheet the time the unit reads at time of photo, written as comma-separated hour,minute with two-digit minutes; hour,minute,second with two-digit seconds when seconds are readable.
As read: 8,49
